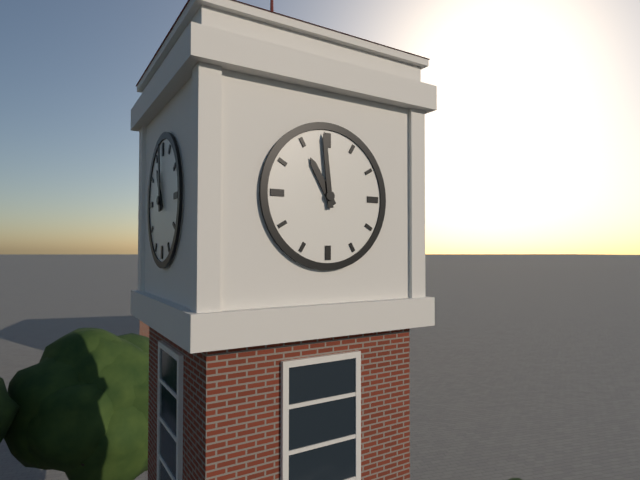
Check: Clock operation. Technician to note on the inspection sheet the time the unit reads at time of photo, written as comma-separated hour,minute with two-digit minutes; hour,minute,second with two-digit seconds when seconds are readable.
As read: 10,59
